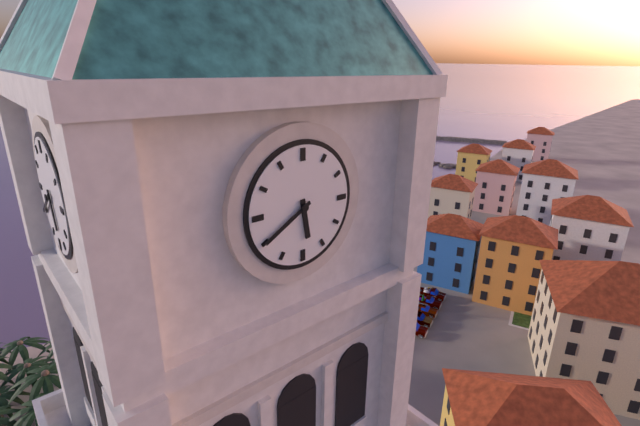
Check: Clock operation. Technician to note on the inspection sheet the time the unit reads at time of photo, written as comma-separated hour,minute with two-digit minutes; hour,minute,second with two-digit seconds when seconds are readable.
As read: 5,40
